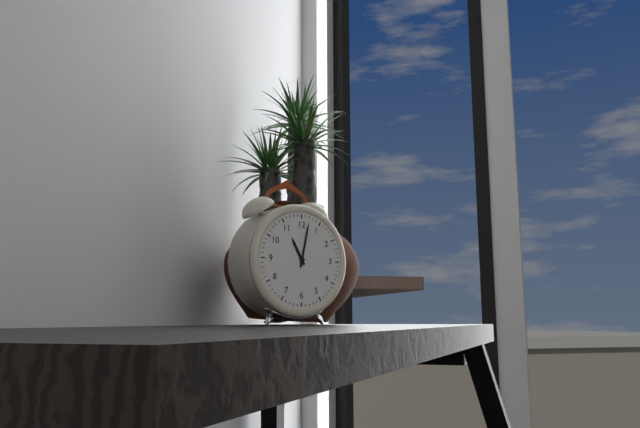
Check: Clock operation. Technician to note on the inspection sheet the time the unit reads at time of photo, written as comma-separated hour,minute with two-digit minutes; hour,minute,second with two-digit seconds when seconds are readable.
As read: 11,02
